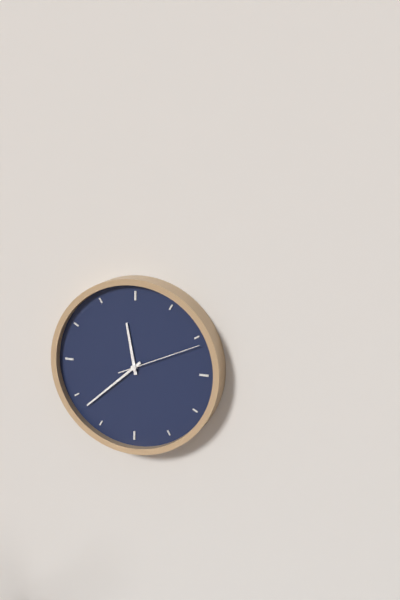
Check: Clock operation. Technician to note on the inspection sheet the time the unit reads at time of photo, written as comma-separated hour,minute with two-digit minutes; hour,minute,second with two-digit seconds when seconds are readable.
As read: 11,38,11
